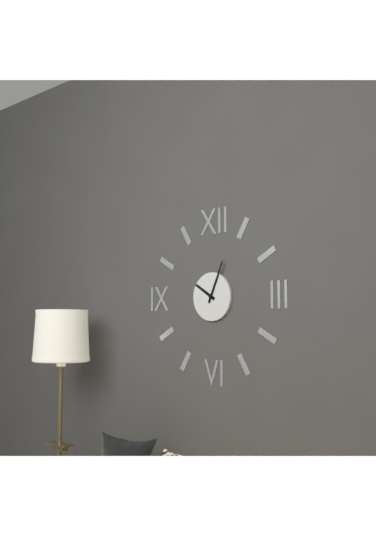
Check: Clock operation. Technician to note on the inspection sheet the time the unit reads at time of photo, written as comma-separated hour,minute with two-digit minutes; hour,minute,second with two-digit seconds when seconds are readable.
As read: 10,04
